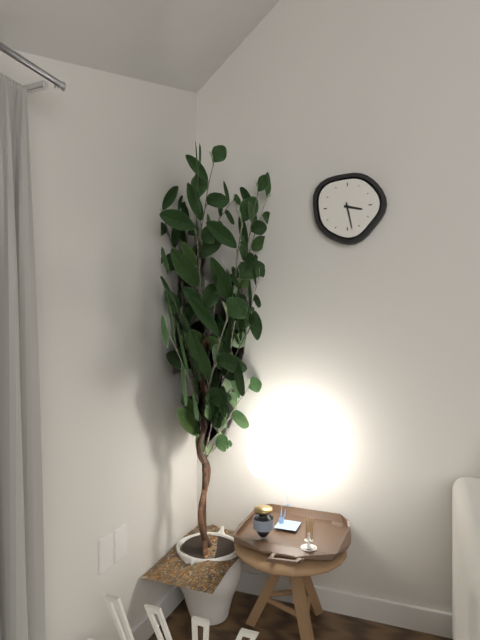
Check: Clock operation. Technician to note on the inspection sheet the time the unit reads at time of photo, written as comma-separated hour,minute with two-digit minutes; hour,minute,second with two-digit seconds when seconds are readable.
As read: 3,28
